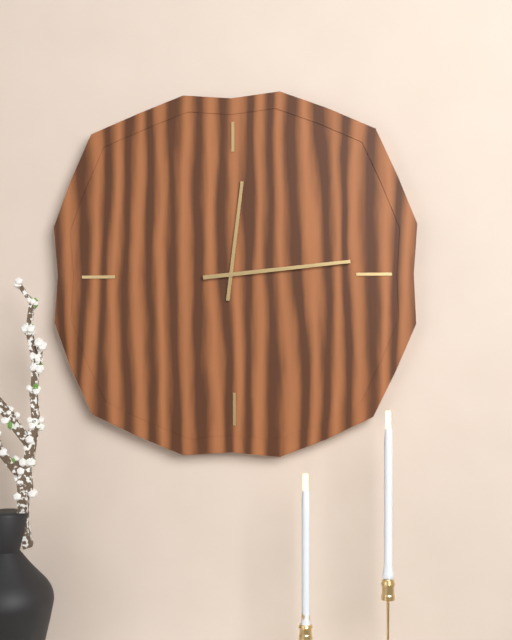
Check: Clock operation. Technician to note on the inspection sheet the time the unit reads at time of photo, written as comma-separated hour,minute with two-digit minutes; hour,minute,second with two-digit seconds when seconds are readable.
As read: 12,14
